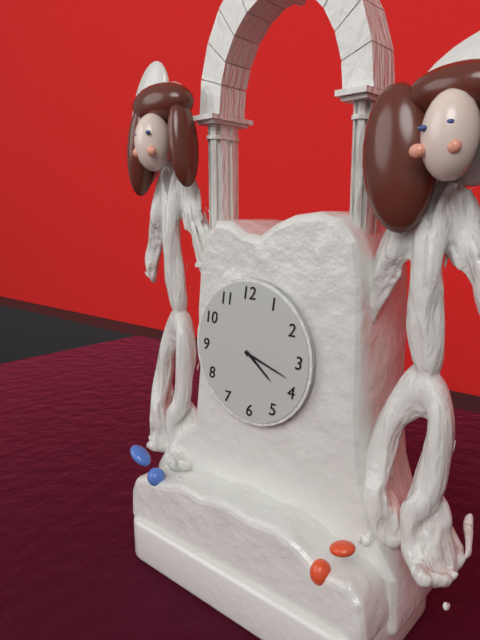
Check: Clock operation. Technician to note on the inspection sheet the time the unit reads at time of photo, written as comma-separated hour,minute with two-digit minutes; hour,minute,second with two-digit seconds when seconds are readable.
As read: 4,18
